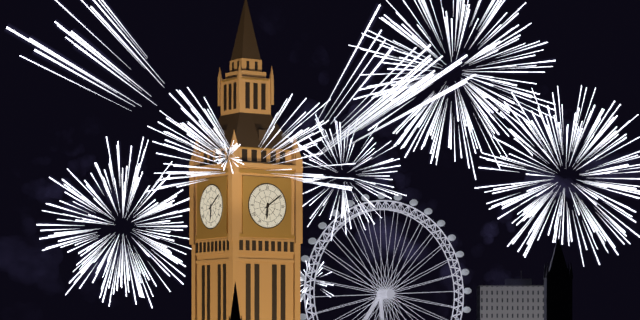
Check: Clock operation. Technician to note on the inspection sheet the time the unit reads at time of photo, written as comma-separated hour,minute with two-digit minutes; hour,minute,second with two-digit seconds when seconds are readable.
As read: 6,09
